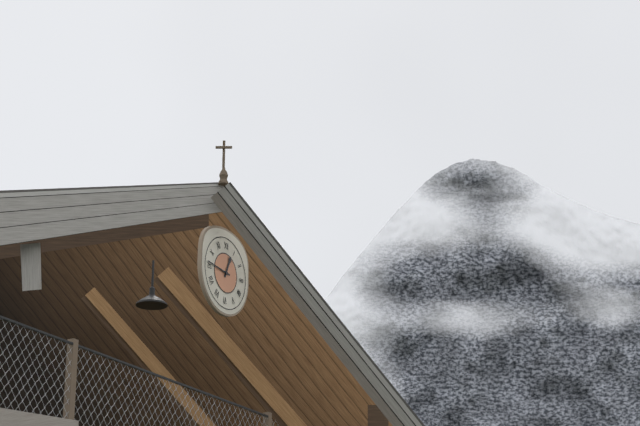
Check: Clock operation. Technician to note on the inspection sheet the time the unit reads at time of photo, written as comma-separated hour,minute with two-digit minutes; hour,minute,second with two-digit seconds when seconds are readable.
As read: 12,46
